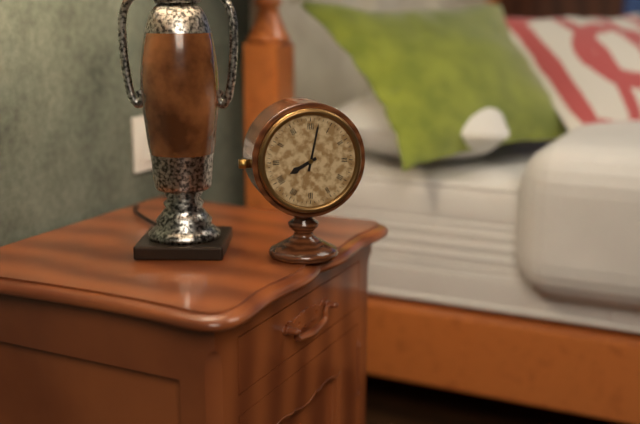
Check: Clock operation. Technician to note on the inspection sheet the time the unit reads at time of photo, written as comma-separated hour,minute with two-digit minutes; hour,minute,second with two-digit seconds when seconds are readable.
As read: 8,02
